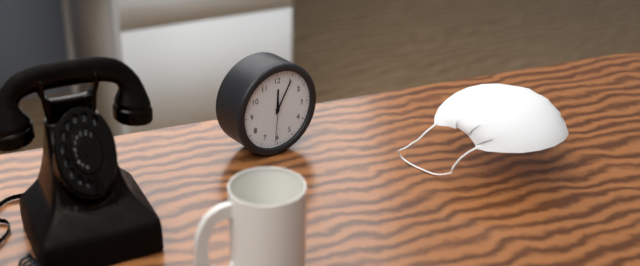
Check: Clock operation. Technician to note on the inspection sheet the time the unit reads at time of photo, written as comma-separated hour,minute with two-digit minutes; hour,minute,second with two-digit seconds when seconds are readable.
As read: 12,05
